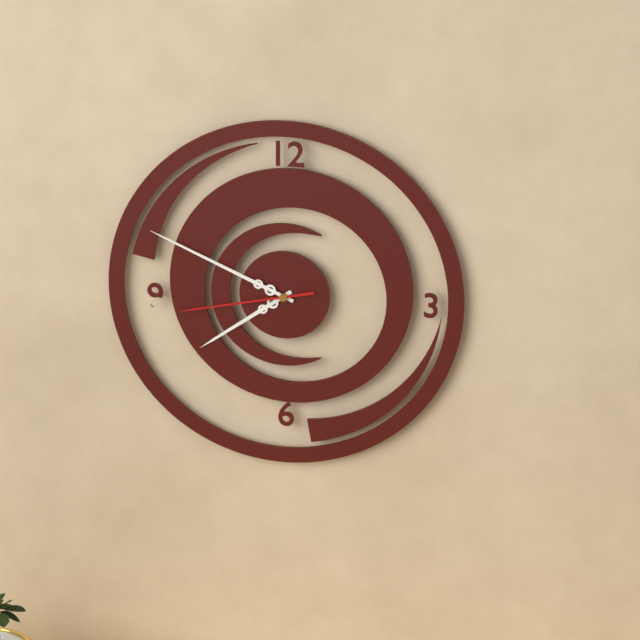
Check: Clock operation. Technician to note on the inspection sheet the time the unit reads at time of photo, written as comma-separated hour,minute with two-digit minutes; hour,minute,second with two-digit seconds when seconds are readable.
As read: 7,49,43
